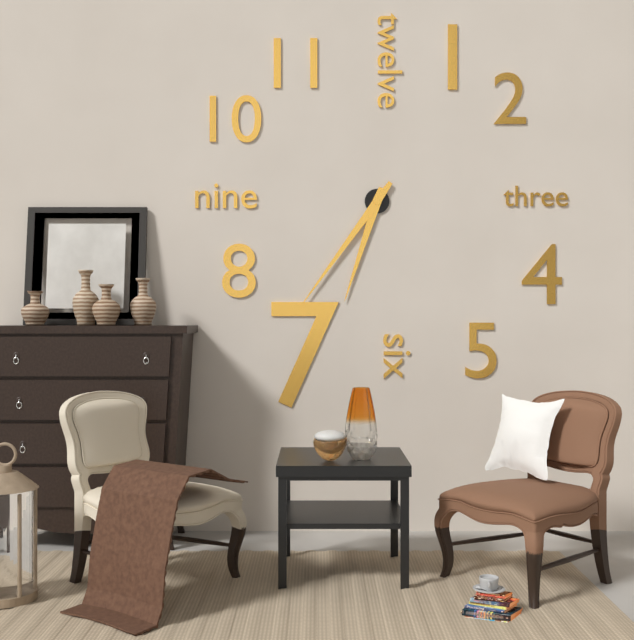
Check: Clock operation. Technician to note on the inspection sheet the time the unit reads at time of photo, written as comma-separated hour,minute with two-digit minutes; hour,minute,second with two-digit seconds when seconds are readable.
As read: 6,36
